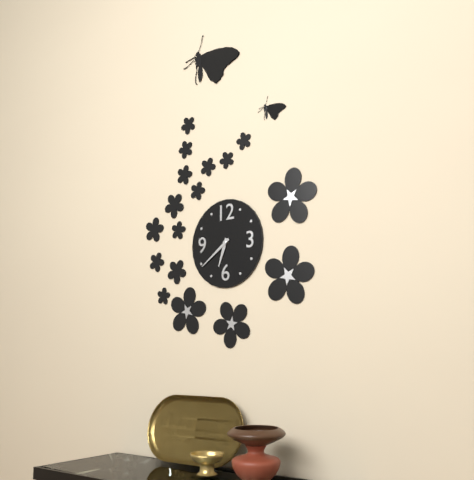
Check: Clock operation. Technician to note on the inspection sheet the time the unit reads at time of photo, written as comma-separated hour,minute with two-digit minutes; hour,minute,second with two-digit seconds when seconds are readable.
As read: 6,39
